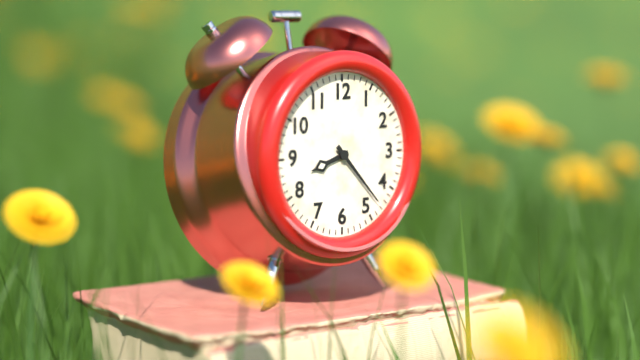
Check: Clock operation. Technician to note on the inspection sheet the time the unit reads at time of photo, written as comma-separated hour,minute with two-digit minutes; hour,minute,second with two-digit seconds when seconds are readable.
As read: 8,23
